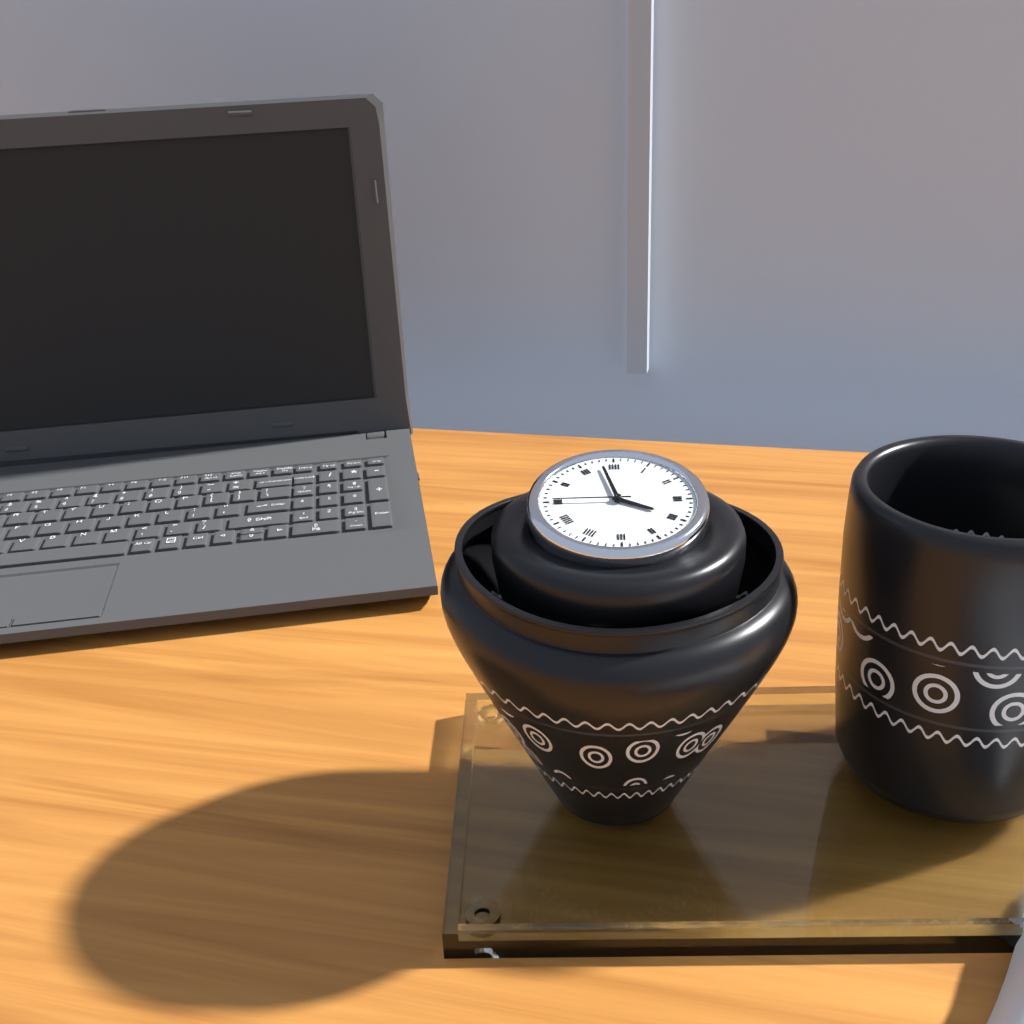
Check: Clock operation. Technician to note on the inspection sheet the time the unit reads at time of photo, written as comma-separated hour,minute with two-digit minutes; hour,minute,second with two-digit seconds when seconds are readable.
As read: 3,58,45
